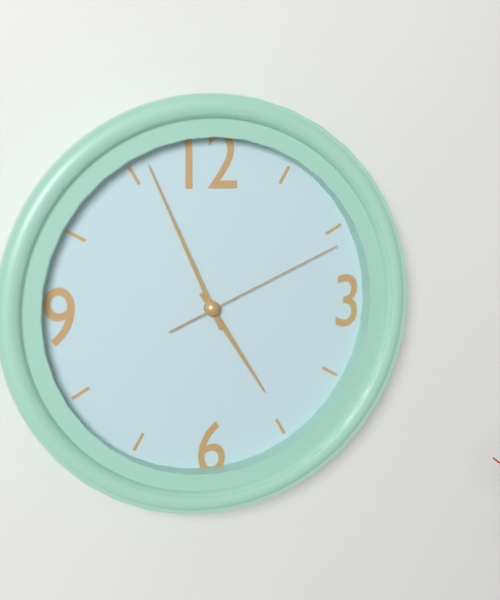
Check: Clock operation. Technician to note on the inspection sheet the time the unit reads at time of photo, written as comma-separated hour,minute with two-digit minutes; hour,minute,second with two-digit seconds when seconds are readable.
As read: 4,56,11
